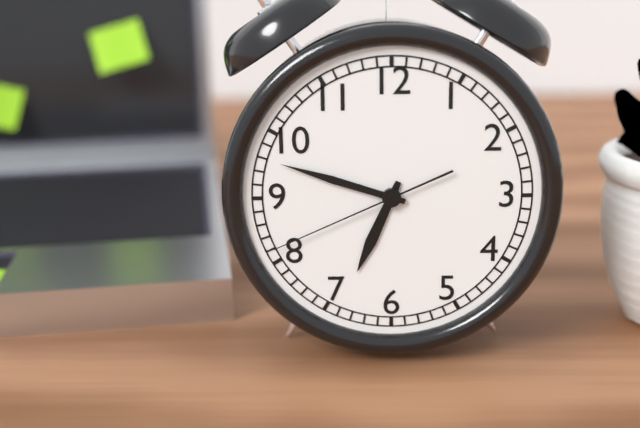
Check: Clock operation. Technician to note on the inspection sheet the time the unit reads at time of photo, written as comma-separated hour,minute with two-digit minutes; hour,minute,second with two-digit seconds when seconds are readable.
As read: 6,48,41
